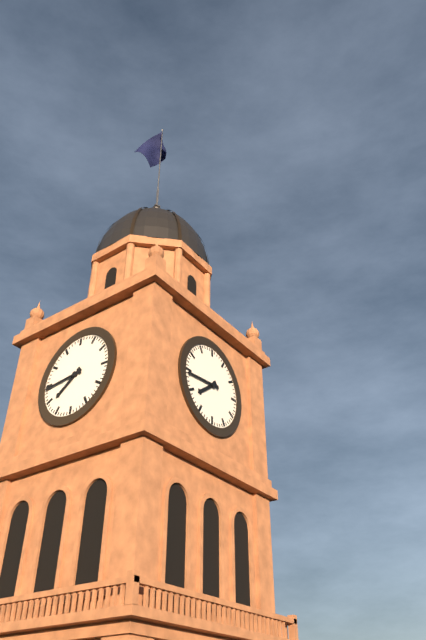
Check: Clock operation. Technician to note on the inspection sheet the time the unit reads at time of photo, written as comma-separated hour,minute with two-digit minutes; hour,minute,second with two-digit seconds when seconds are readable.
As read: 7,44
